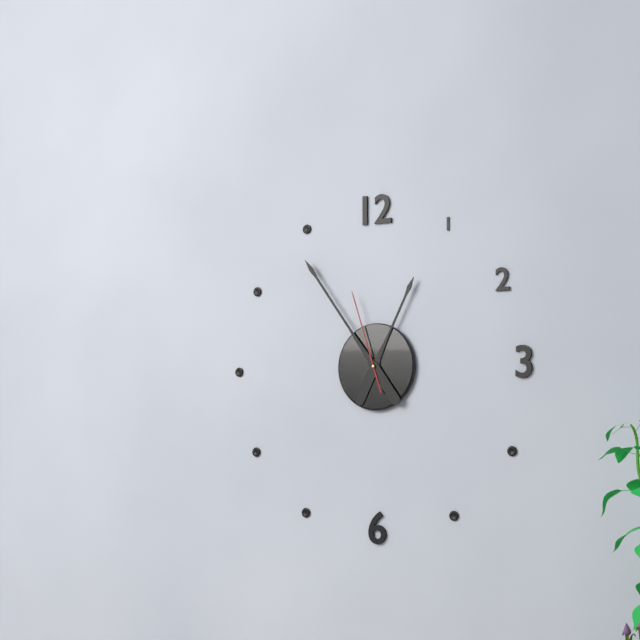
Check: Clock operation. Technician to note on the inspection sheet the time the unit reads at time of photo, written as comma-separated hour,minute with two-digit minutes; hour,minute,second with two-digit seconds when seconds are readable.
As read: 12,54,57
